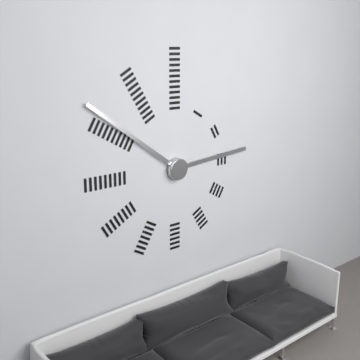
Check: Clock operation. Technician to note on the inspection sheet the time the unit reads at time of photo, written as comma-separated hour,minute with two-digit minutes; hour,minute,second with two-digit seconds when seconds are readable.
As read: 2,51
